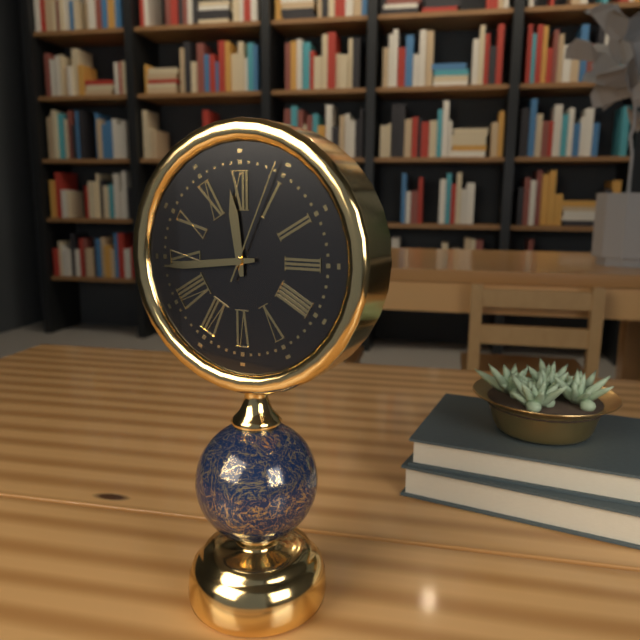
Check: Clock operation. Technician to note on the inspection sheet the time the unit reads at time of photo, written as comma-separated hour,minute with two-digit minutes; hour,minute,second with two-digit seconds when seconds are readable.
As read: 11,44,04
